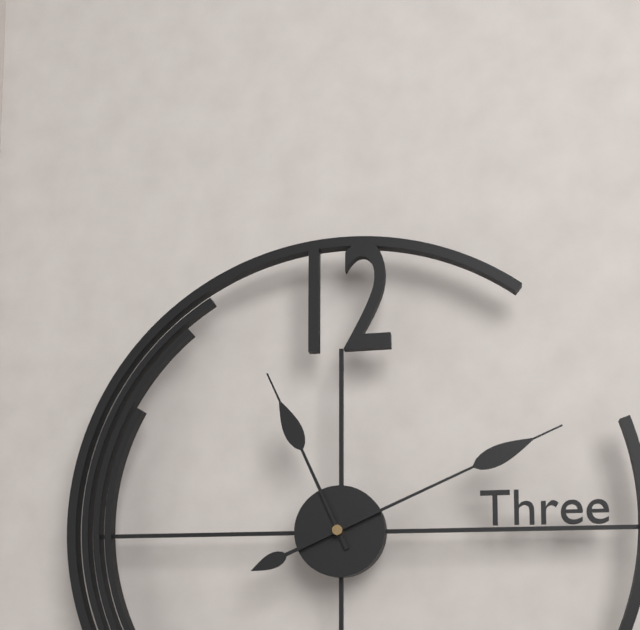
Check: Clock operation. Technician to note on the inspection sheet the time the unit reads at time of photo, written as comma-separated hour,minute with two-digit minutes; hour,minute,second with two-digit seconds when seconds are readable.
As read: 11,11
